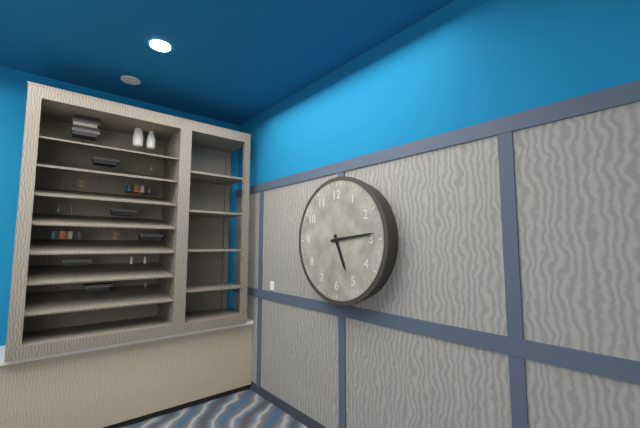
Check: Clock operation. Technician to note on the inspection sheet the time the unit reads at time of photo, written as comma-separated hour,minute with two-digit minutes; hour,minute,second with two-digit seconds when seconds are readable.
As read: 5,14
